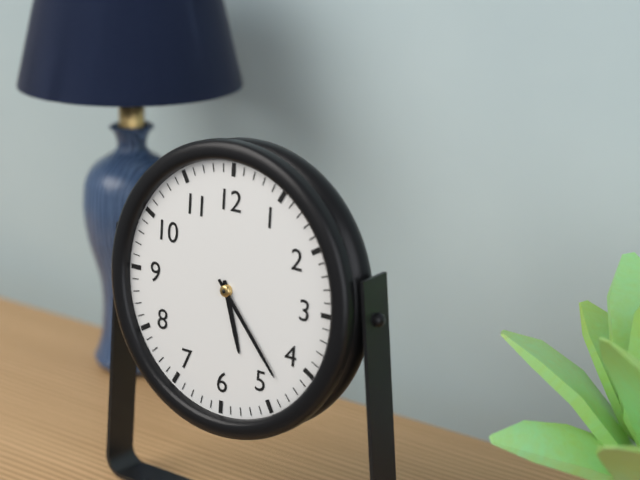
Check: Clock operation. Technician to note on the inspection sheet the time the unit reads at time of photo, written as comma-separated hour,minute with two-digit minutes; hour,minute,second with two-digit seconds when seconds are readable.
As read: 5,23
